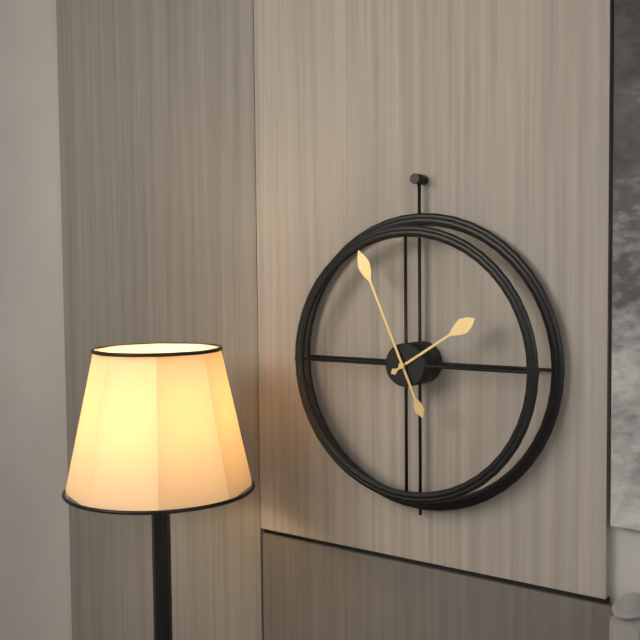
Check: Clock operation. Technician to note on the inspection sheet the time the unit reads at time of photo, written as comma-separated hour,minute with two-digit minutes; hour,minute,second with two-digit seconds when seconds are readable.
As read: 1,56
